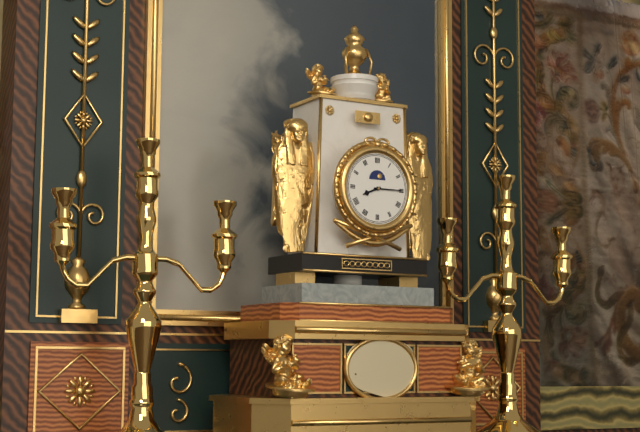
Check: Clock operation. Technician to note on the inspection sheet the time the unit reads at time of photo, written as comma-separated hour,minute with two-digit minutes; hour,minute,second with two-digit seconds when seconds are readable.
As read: 8,15
